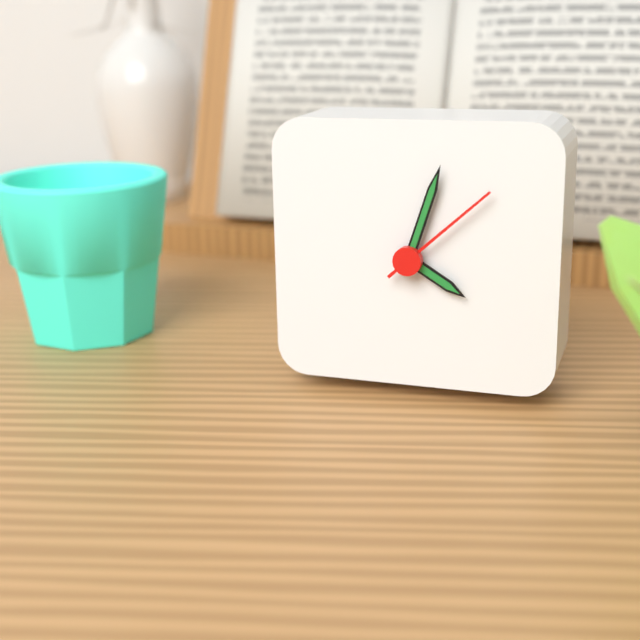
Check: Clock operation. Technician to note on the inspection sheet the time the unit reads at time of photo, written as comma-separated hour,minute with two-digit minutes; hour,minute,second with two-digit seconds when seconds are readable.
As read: 4,03,08
